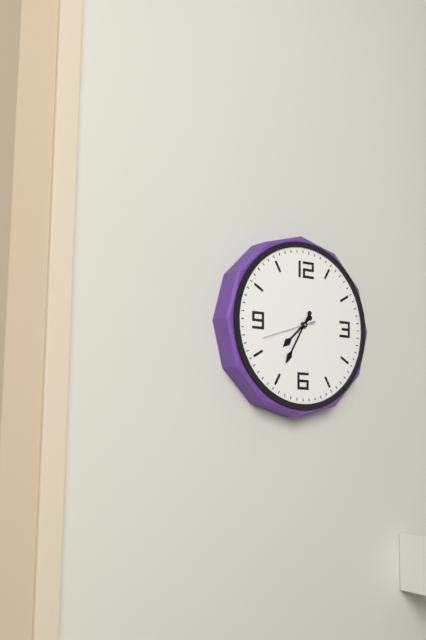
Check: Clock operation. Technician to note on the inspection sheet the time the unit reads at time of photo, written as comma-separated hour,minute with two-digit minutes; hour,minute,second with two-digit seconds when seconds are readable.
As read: 7,35,42
